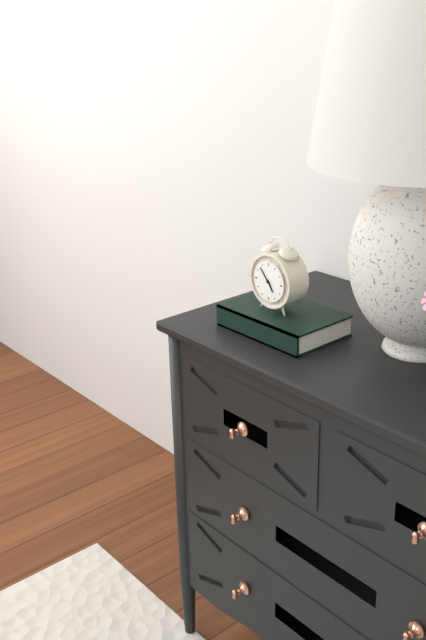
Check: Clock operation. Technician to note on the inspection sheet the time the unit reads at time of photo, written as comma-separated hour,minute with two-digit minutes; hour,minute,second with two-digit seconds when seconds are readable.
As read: 4,53
